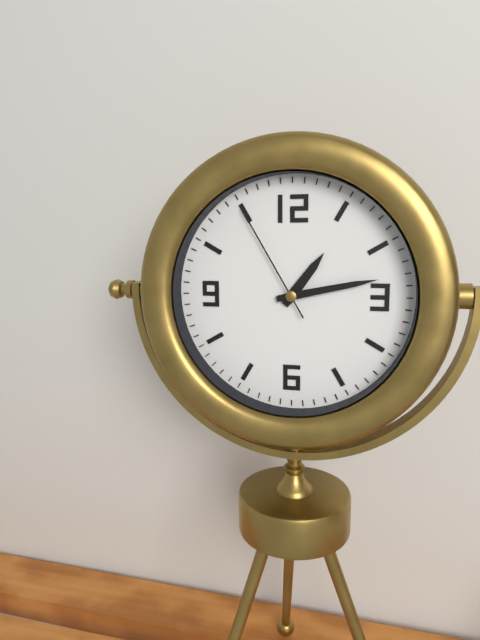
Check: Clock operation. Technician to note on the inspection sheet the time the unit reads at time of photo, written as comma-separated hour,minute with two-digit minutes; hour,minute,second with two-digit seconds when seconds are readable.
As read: 1,13,55
